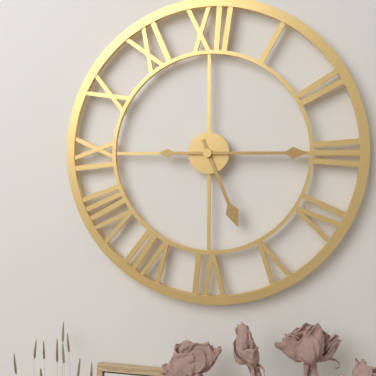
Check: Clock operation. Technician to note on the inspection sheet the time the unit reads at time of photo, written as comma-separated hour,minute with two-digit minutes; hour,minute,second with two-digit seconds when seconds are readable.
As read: 5,15
